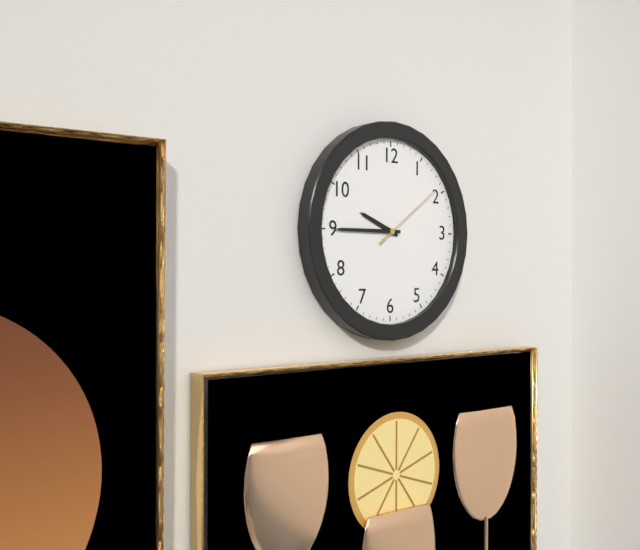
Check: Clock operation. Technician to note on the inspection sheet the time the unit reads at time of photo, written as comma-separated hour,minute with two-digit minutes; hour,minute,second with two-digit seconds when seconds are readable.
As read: 9,45,09
